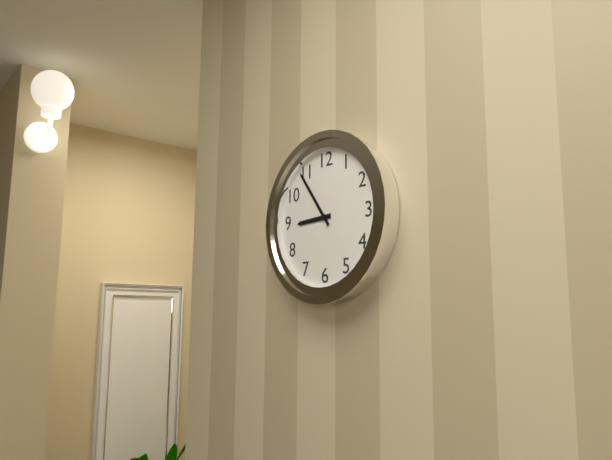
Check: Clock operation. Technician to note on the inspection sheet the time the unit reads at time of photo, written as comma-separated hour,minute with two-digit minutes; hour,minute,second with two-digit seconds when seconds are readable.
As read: 8,54
